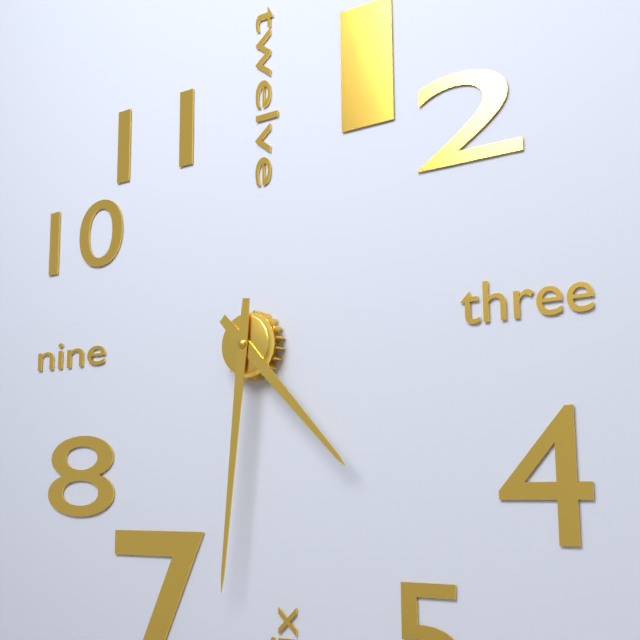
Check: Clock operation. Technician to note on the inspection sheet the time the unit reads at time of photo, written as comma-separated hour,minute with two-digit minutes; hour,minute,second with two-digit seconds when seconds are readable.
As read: 4,31
